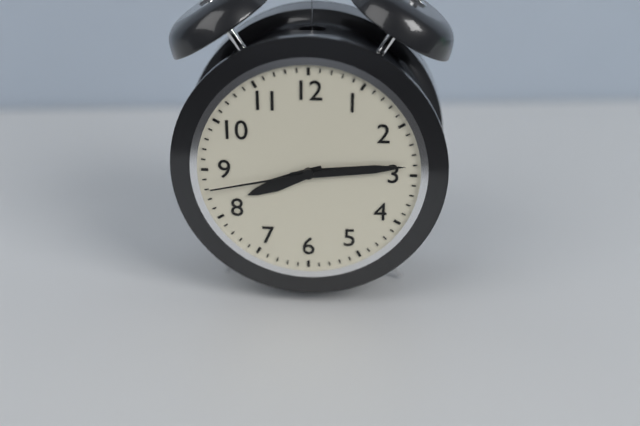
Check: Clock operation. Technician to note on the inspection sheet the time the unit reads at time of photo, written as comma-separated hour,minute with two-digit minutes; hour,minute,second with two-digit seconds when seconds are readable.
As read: 8,14,43
